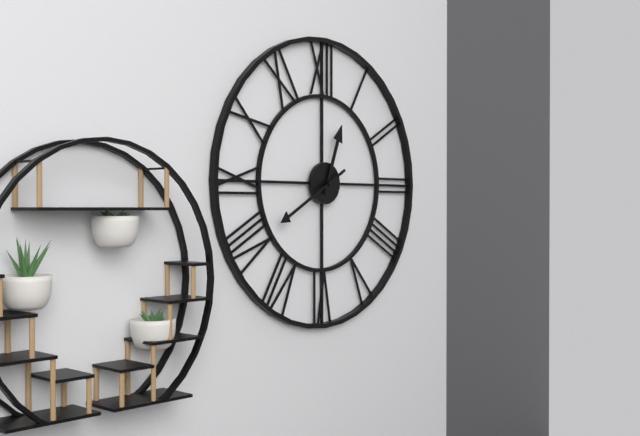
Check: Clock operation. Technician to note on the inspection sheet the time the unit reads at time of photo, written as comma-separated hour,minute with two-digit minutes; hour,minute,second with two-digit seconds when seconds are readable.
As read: 12,40
